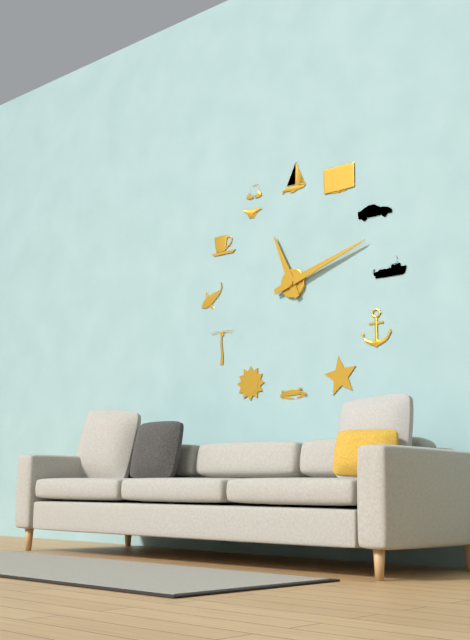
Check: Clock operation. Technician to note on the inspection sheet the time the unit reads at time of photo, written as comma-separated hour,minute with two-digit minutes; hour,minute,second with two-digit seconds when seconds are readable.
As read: 11,12
